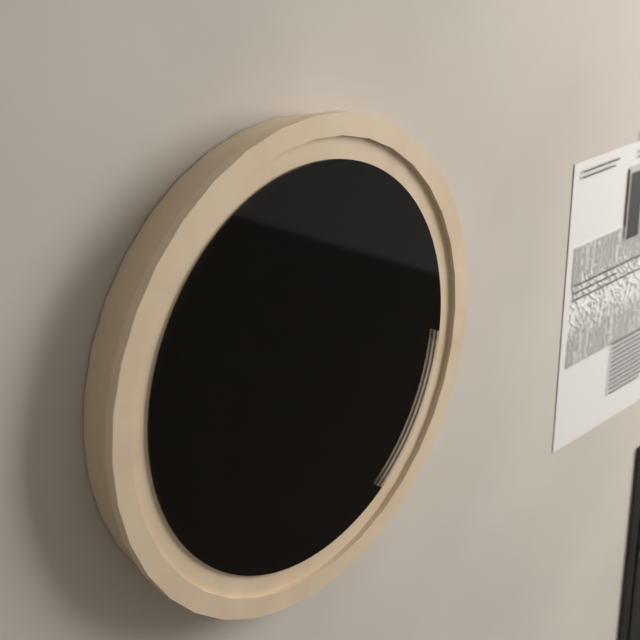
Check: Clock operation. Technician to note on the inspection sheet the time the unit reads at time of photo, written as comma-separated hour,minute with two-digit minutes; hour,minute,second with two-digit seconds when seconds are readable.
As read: 6,03
